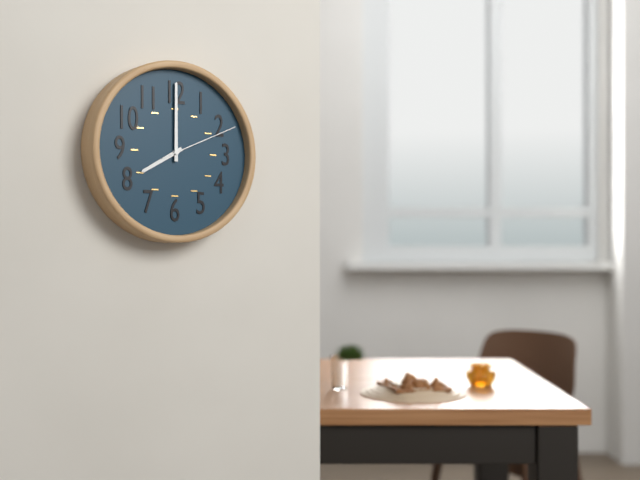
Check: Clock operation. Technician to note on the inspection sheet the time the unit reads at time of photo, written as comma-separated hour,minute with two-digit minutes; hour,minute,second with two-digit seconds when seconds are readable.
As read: 8,00,11
